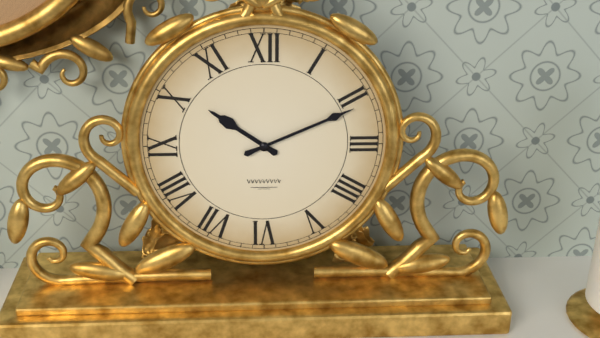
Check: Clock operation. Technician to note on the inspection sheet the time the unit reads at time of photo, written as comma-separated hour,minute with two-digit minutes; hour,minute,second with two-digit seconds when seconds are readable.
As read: 10,11
